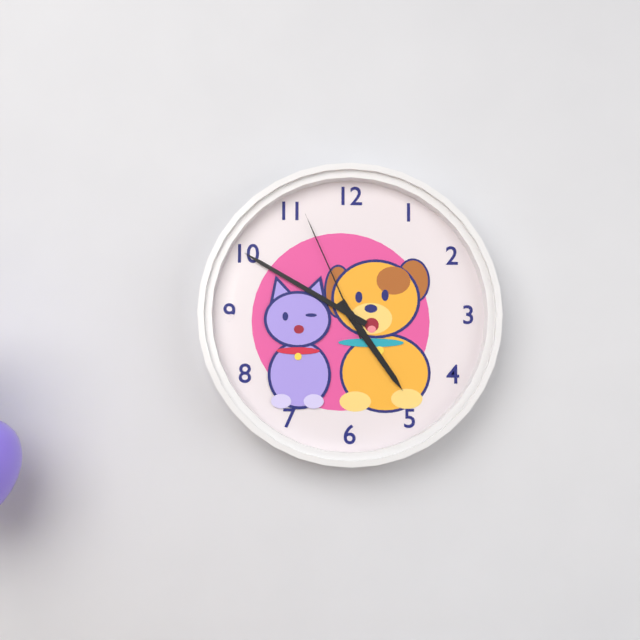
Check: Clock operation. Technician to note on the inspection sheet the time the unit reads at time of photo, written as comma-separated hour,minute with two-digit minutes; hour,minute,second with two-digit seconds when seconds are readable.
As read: 4,50,56
